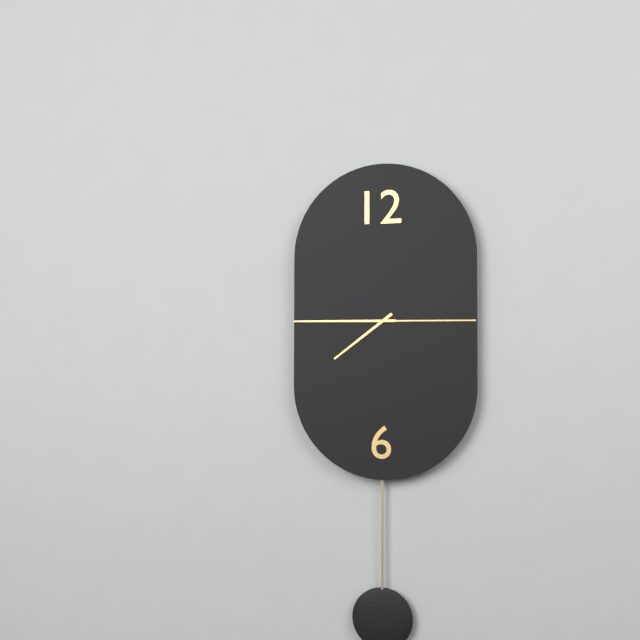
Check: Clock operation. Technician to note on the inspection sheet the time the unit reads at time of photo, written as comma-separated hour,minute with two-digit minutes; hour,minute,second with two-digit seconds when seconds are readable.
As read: 7,45
